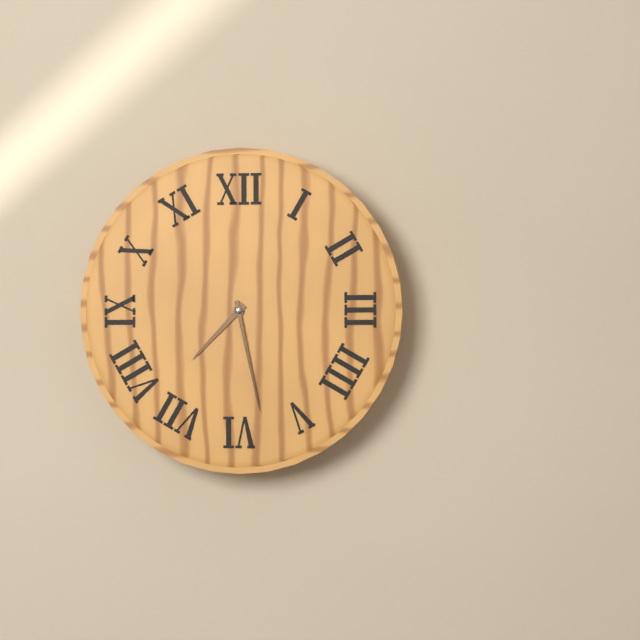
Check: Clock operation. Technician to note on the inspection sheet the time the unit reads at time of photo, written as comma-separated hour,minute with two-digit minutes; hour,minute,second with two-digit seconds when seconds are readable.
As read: 7,28
